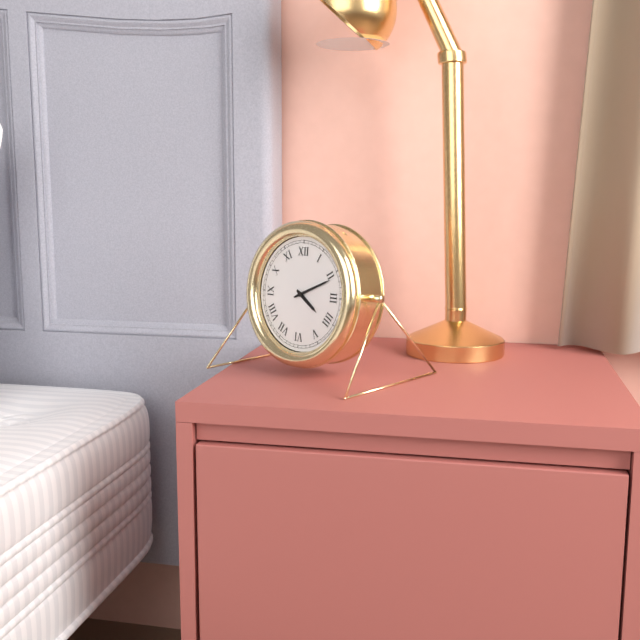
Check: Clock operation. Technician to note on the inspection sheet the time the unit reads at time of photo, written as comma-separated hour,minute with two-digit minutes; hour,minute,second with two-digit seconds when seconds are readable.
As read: 4,11
